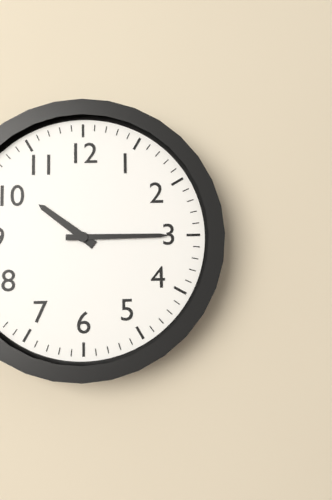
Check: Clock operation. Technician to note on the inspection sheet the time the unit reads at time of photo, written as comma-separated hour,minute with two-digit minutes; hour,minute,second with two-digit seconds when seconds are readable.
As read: 10,15
